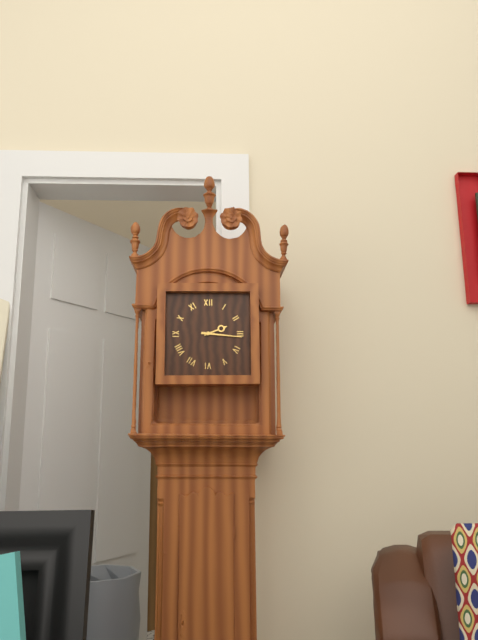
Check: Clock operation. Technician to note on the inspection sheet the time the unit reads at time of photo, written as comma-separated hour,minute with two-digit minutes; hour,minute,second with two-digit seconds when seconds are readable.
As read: 2,16
